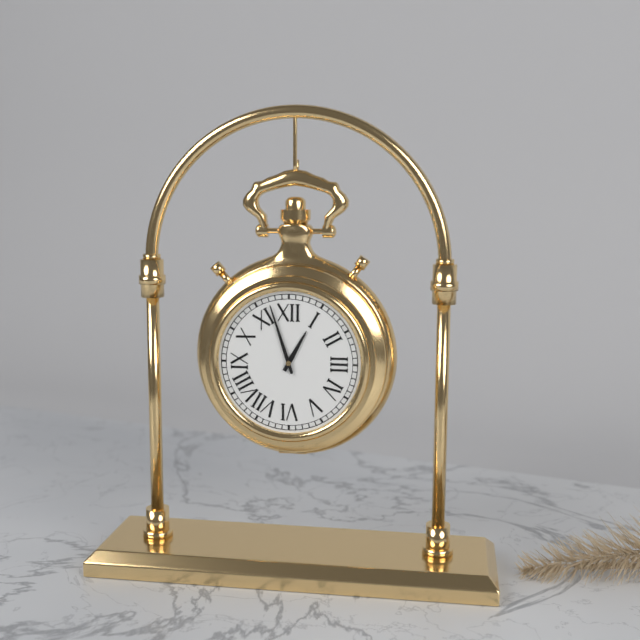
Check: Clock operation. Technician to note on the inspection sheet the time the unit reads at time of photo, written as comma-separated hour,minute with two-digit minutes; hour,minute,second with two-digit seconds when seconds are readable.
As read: 12,57
